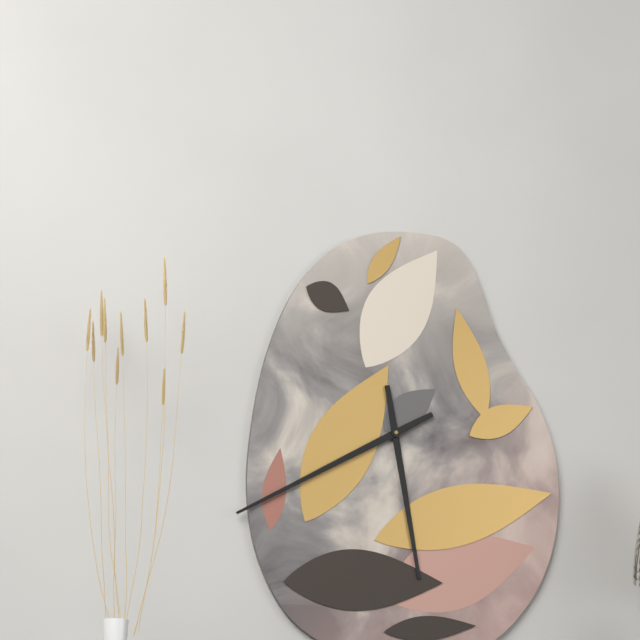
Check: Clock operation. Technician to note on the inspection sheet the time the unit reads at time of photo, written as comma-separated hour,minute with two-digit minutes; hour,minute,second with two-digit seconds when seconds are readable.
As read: 5,40
